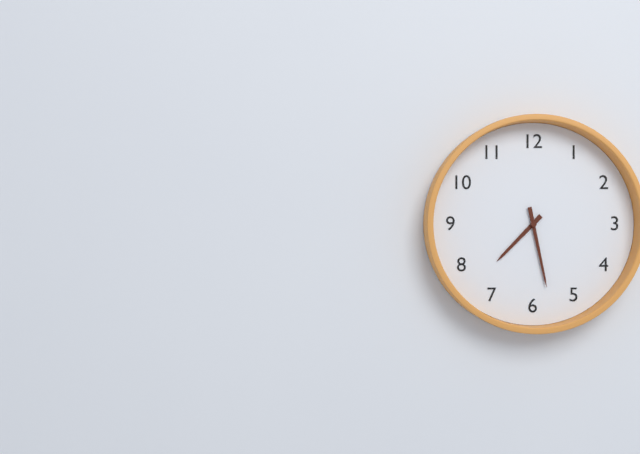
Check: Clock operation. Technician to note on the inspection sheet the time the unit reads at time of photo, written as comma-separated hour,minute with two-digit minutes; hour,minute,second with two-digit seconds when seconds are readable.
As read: 7,28
